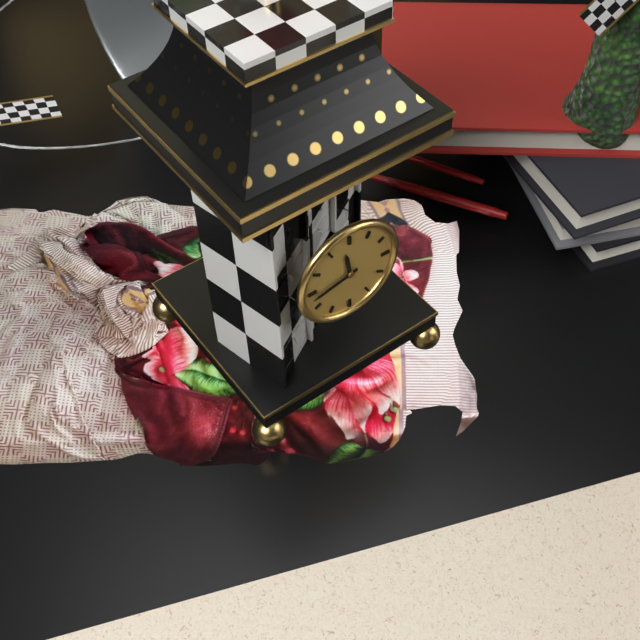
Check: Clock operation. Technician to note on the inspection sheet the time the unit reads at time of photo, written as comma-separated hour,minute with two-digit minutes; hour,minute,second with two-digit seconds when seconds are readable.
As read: 11,43
